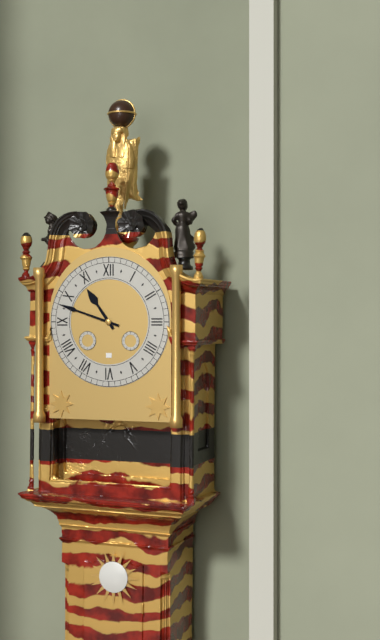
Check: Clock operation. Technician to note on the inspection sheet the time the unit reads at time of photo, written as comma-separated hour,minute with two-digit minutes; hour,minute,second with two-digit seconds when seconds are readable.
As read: 10,48
